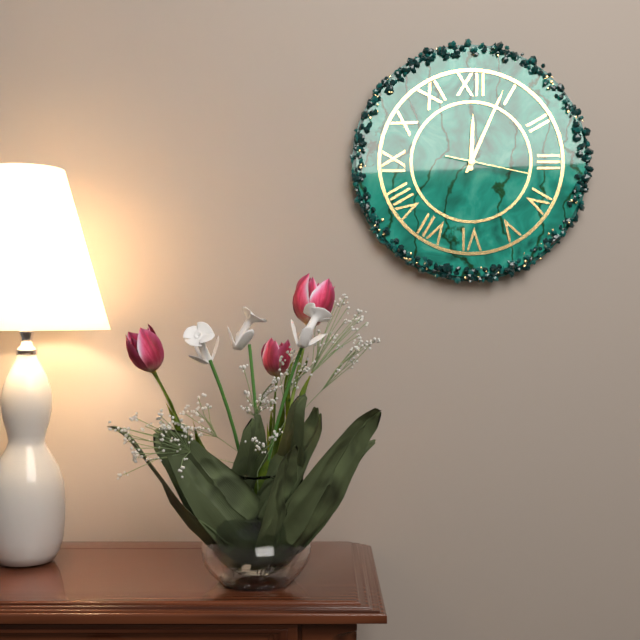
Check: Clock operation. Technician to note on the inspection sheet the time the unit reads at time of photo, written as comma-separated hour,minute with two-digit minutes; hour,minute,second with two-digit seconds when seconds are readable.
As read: 12,04,17
